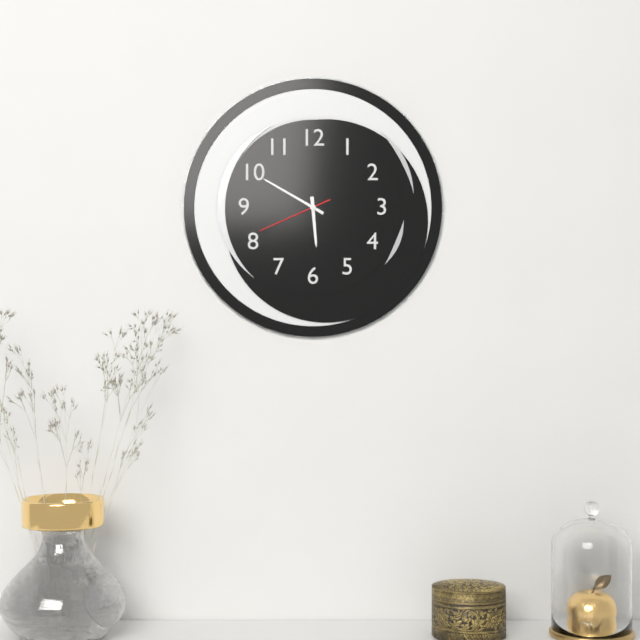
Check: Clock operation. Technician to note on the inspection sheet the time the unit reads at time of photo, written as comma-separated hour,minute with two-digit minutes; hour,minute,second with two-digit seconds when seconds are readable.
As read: 5,50,41
